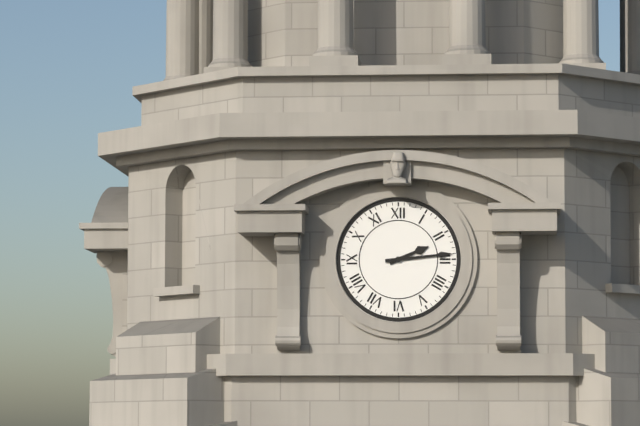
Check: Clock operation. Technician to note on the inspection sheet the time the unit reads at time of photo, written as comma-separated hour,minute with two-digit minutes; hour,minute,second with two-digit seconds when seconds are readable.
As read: 2,14
